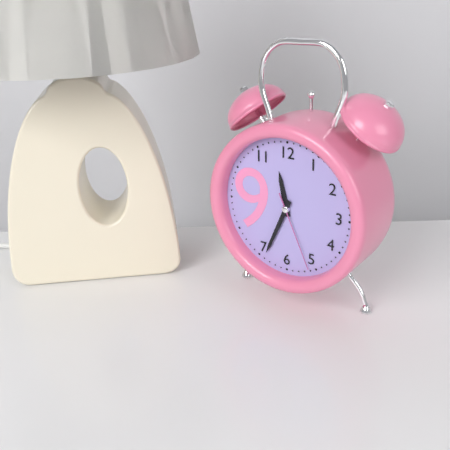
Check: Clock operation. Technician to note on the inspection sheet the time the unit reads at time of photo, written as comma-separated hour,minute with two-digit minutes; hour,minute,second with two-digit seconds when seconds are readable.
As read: 11,34,26
